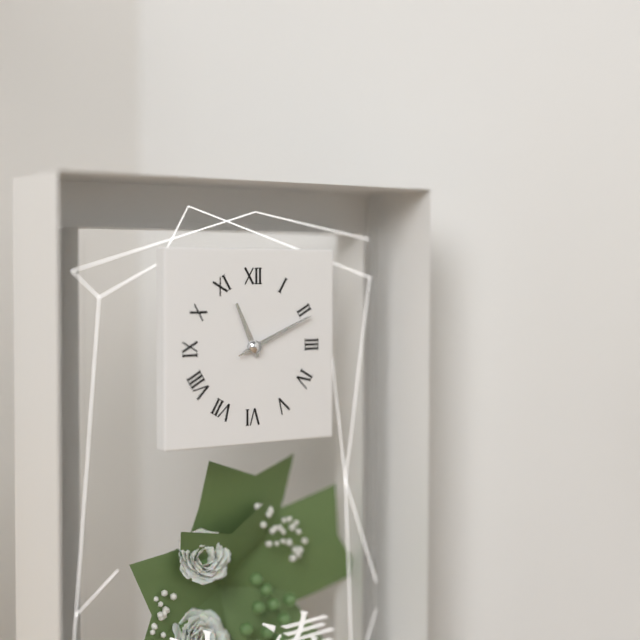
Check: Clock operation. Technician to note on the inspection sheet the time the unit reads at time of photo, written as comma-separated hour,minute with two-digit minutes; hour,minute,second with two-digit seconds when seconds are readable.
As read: 11,11,11
